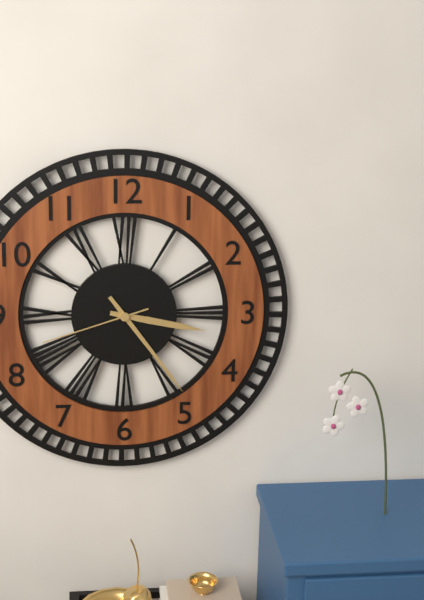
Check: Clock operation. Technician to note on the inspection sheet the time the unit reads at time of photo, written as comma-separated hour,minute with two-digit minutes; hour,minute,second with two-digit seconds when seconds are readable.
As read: 3,24,42
